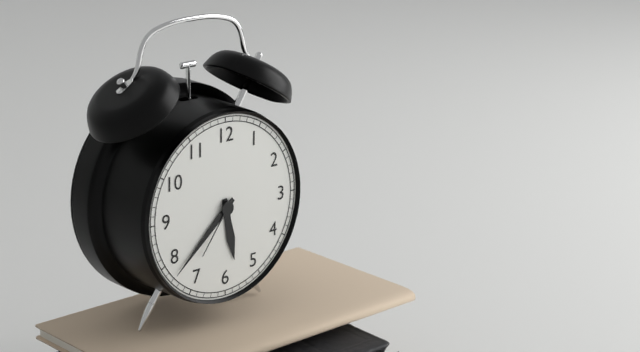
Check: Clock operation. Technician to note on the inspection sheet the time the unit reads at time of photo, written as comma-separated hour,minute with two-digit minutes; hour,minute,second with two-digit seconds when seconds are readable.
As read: 5,38,36
